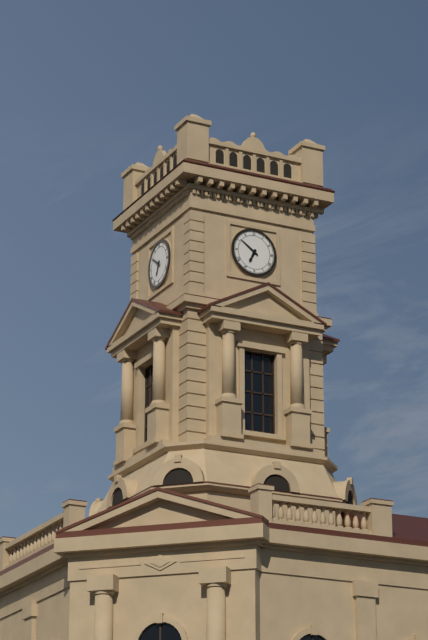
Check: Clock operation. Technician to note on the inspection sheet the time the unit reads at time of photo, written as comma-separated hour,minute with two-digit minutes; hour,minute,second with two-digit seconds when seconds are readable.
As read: 6,51
